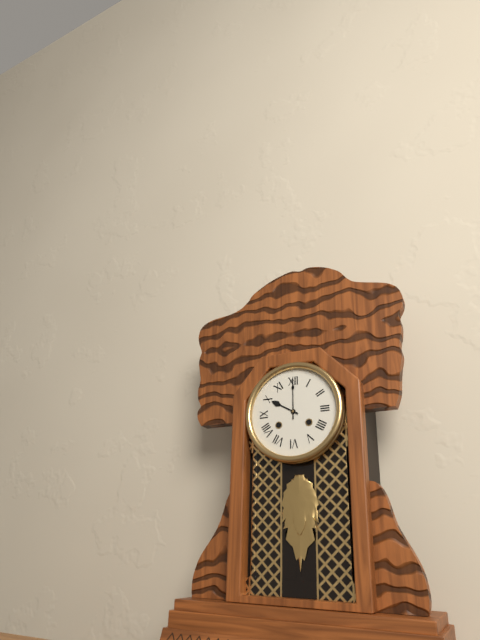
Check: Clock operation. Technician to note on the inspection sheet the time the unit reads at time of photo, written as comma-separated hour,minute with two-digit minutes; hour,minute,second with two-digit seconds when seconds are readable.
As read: 10,00
